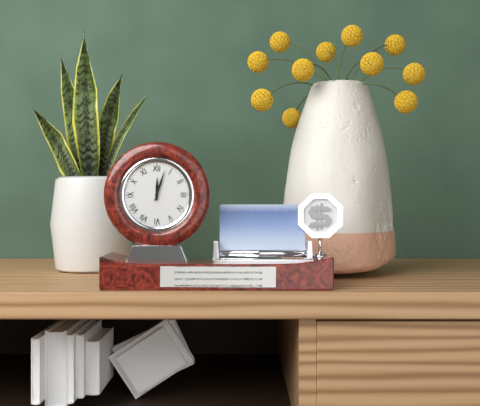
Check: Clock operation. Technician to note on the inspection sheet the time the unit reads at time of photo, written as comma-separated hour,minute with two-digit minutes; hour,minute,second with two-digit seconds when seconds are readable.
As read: 12,03
